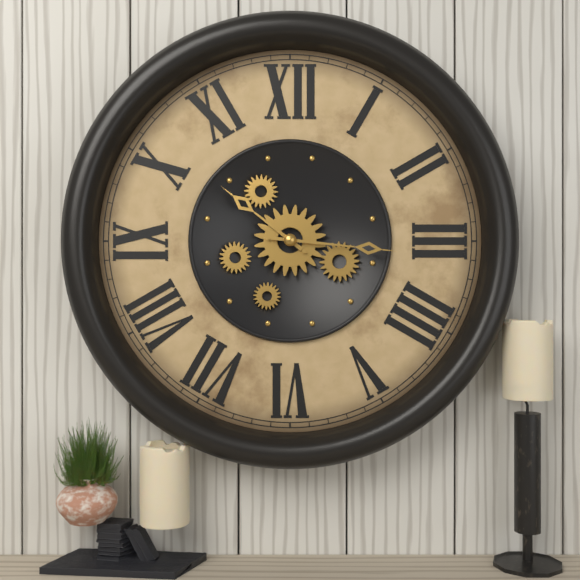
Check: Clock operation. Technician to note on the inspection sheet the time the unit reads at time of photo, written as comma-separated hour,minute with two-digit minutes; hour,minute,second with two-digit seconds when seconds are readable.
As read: 10,16
